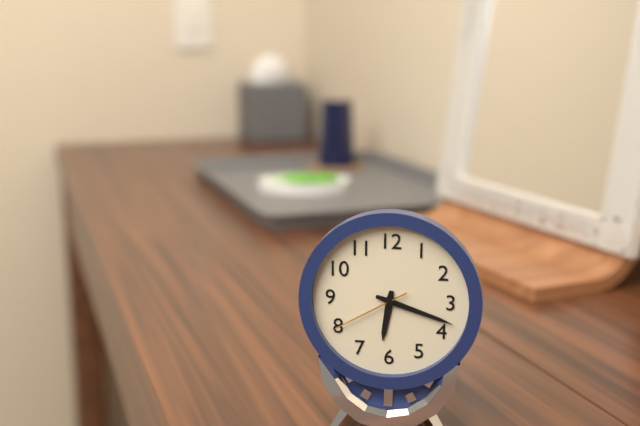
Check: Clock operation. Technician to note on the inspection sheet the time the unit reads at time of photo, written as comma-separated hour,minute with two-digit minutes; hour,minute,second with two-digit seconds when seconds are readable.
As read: 6,18,40
